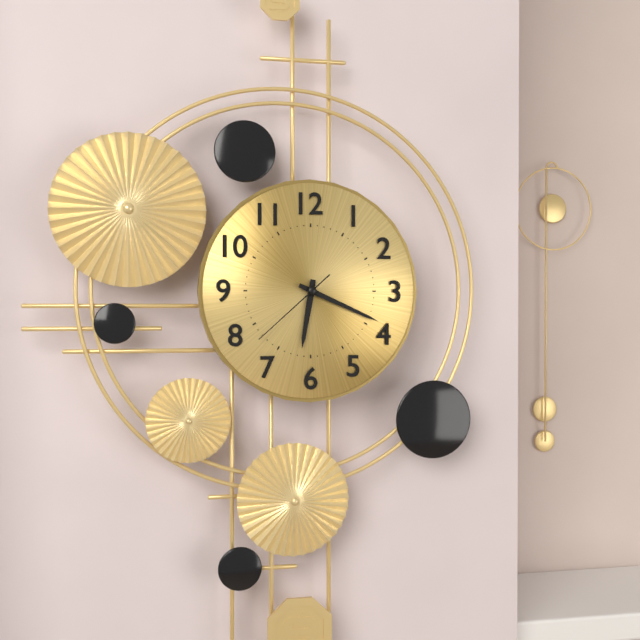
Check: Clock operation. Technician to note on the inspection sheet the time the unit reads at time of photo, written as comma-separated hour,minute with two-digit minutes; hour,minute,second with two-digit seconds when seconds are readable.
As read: 6,19,38
